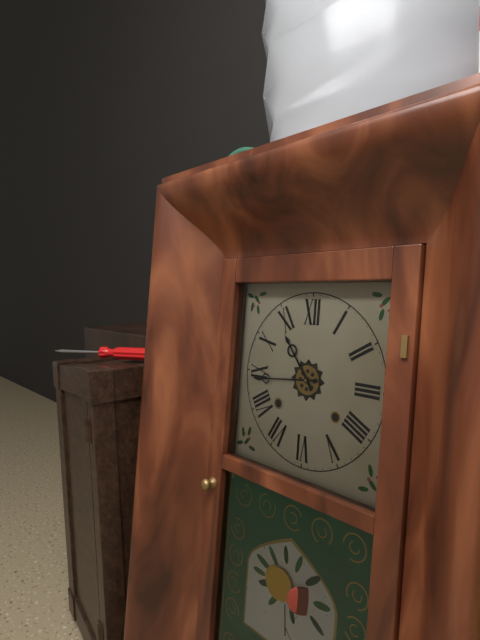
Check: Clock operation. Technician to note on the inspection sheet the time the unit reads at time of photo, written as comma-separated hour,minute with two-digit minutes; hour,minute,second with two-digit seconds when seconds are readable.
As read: 10,44
